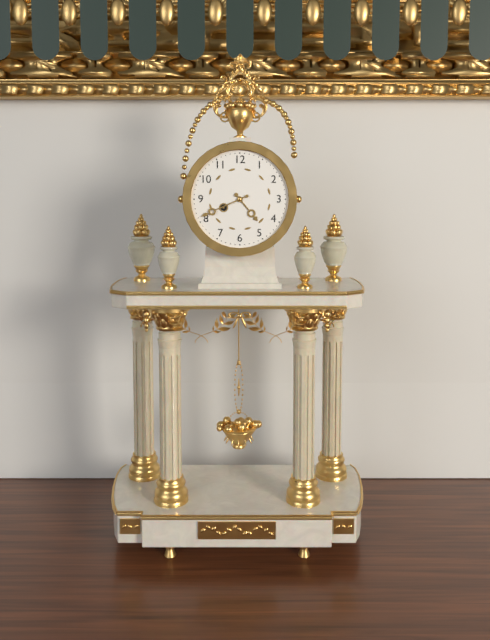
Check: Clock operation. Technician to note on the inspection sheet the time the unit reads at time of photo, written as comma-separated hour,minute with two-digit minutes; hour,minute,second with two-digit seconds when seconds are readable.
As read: 4,41
